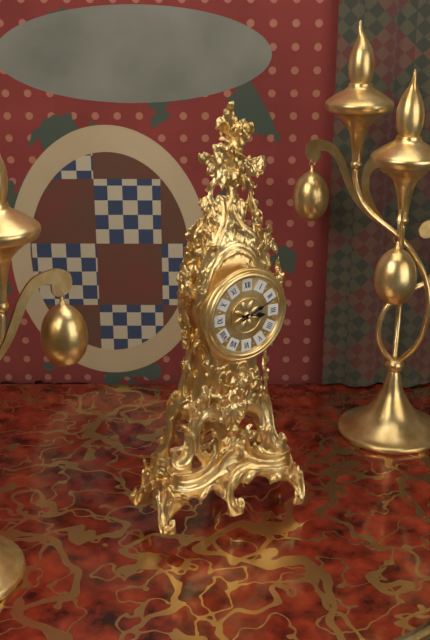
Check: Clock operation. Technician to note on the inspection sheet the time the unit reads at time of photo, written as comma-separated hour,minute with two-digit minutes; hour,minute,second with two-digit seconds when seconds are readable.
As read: 3,11
